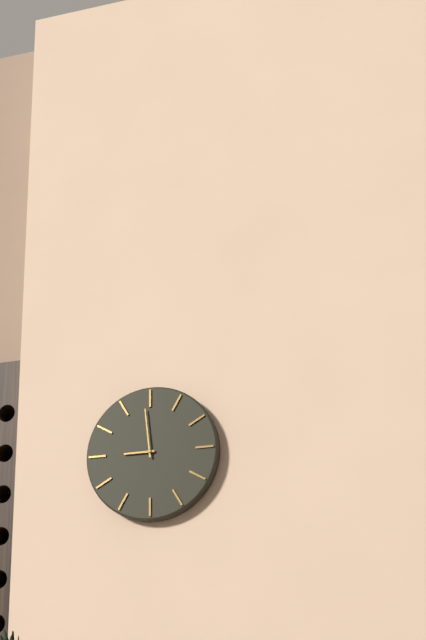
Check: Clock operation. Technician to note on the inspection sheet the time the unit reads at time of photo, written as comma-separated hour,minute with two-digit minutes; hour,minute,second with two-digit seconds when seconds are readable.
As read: 8,59
